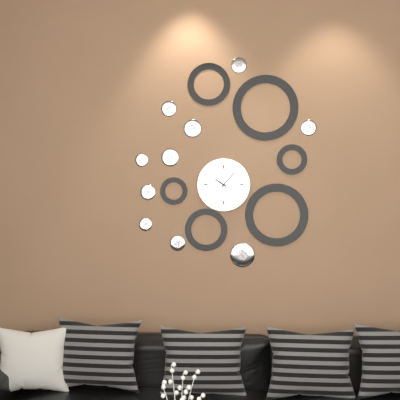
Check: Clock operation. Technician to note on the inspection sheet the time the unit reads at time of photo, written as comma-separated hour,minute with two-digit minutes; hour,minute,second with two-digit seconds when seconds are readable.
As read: 10,07
